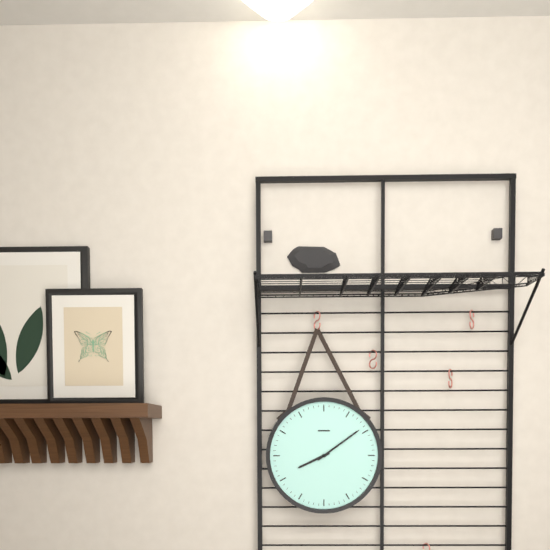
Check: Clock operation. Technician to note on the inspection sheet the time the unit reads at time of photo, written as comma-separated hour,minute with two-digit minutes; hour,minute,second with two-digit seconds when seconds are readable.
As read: 8,09
